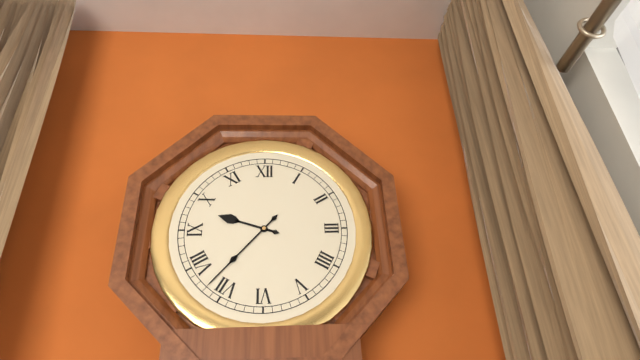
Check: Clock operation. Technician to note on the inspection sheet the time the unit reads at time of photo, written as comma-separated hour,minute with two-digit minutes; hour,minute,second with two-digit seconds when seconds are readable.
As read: 9,37
